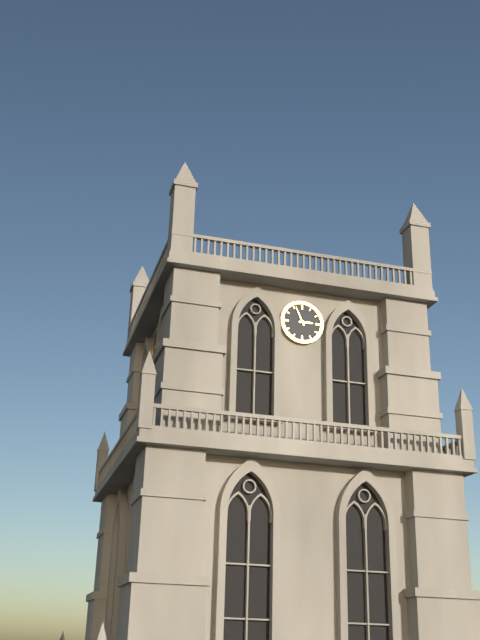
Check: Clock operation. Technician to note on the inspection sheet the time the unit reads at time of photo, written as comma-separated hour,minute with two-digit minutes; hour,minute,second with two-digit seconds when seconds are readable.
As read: 2,56
